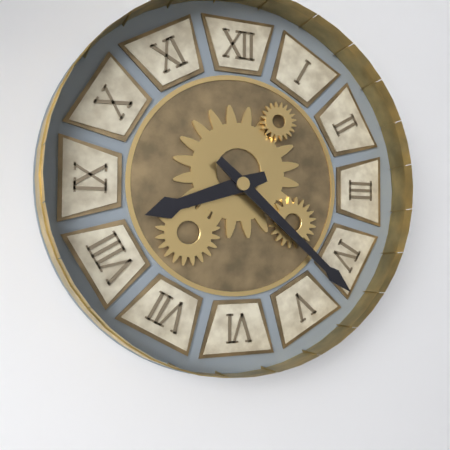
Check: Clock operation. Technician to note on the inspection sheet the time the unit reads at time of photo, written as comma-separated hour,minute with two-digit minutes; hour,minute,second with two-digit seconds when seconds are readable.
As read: 8,22
